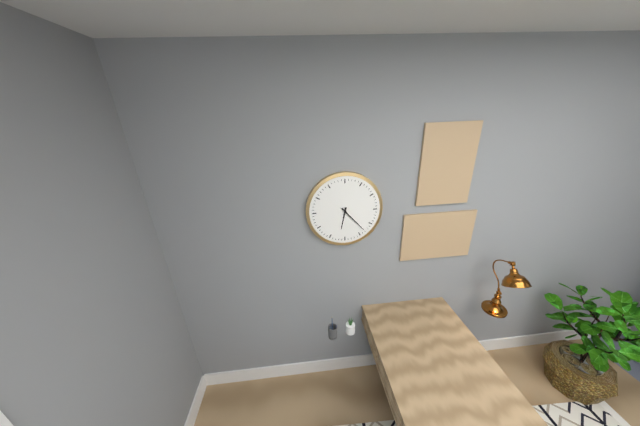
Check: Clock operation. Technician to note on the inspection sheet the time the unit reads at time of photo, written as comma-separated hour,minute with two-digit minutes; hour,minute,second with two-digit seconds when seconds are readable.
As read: 6,23
